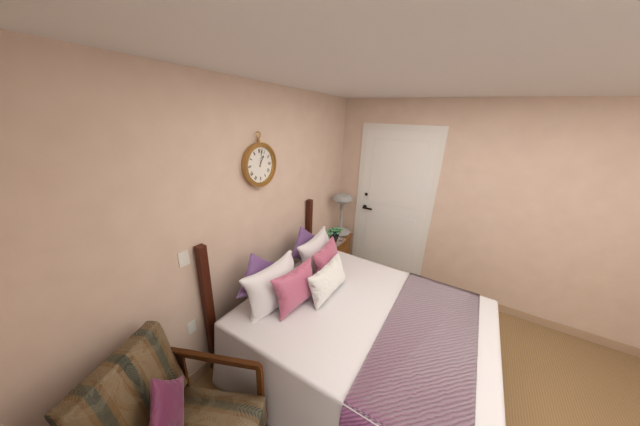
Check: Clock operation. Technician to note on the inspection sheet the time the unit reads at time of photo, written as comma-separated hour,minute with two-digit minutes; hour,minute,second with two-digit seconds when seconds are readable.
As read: 1,02
